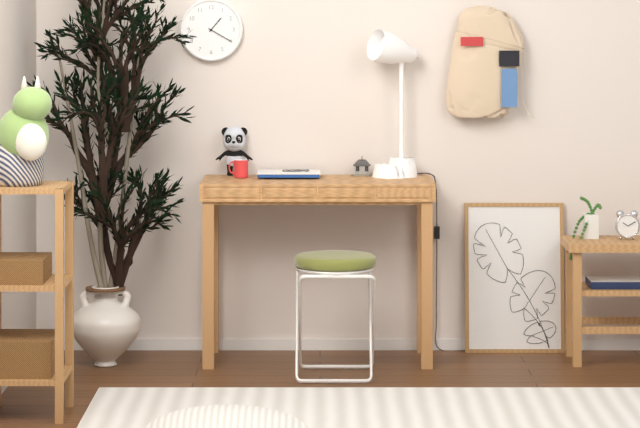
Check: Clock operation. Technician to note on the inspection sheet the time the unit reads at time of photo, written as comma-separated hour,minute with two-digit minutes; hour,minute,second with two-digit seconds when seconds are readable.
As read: 1,20
